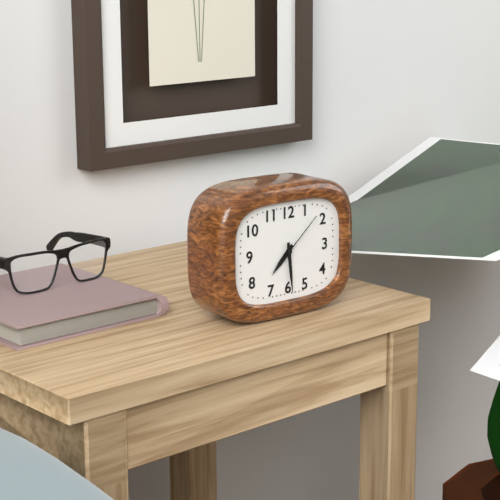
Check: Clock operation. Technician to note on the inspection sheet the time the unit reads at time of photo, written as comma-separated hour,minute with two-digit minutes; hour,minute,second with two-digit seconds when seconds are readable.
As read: 7,29,08
